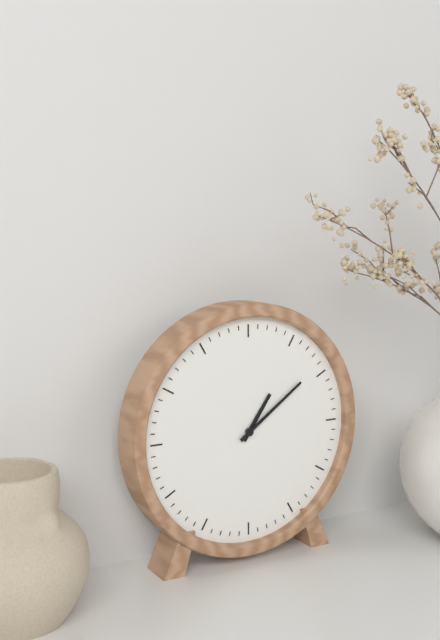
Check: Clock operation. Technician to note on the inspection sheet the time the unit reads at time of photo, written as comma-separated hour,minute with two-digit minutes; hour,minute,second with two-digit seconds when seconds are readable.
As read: 1,09
